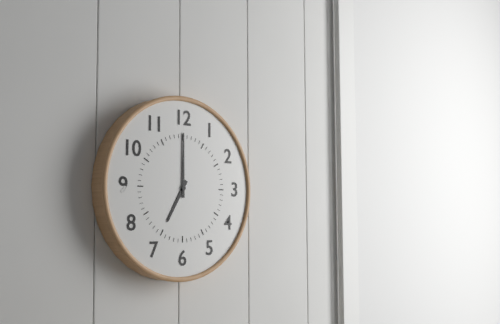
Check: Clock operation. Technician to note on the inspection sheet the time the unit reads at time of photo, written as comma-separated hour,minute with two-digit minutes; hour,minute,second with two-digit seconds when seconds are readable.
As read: 7,00
